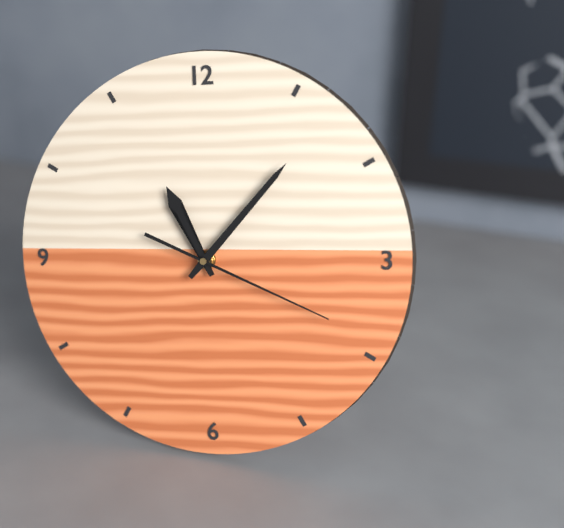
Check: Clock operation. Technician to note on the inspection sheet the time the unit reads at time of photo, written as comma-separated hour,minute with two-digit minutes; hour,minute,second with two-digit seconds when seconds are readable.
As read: 11,07,19
